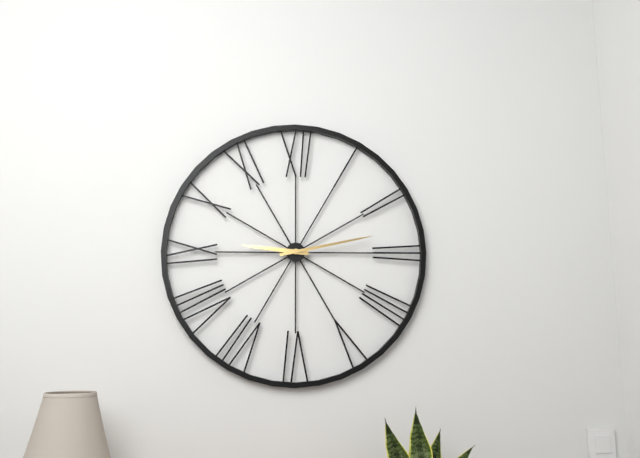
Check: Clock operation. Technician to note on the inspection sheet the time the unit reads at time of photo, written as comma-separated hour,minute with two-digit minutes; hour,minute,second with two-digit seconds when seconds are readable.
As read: 9,13
